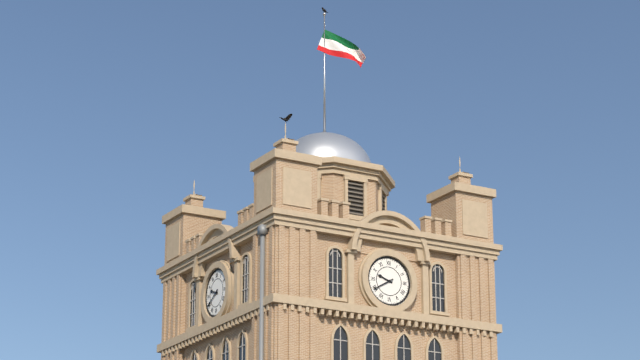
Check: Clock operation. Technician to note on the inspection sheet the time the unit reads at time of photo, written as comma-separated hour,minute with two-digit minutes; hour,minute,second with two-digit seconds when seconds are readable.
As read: 9,40
